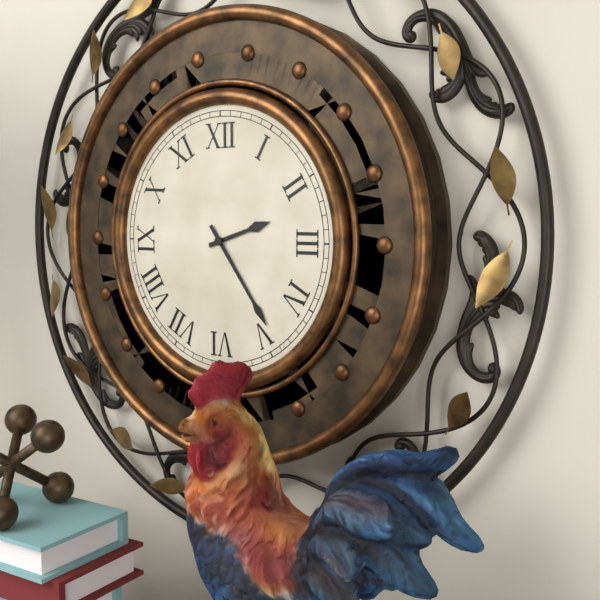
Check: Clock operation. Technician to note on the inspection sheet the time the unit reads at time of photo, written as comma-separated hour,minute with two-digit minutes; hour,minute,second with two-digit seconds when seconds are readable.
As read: 2,24
